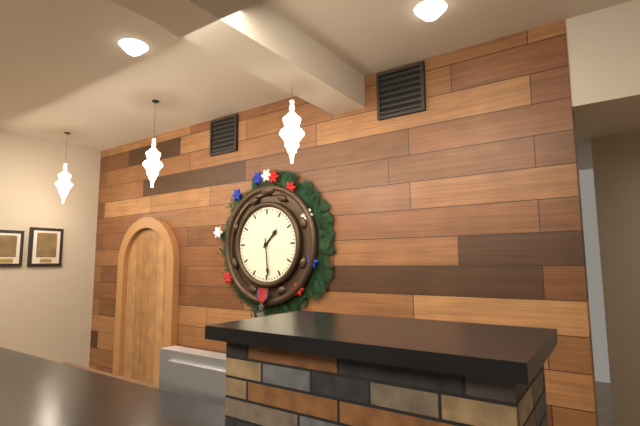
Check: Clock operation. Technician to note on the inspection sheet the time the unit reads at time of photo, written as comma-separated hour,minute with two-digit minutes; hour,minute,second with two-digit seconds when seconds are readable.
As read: 1,29
